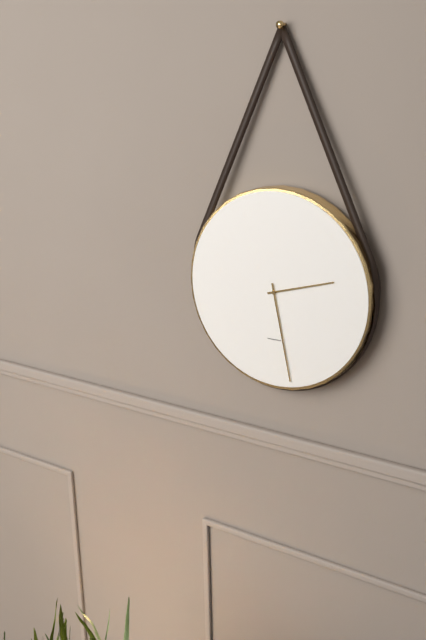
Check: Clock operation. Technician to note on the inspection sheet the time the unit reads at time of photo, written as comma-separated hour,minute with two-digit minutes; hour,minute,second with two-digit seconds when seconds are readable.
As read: 2,28
